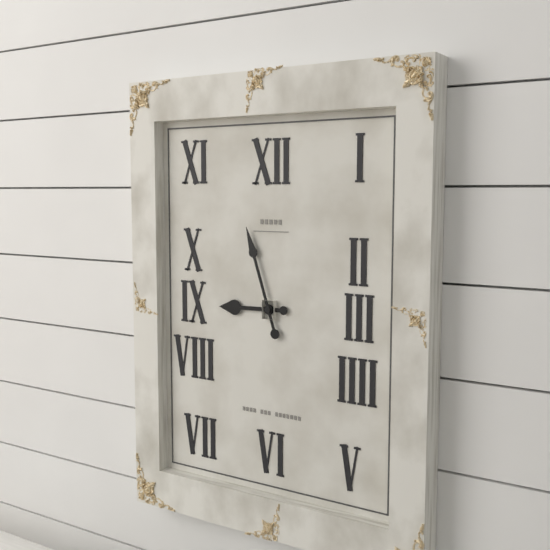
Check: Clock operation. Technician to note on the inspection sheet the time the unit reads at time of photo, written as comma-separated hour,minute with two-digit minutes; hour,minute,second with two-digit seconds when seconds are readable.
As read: 8,57
